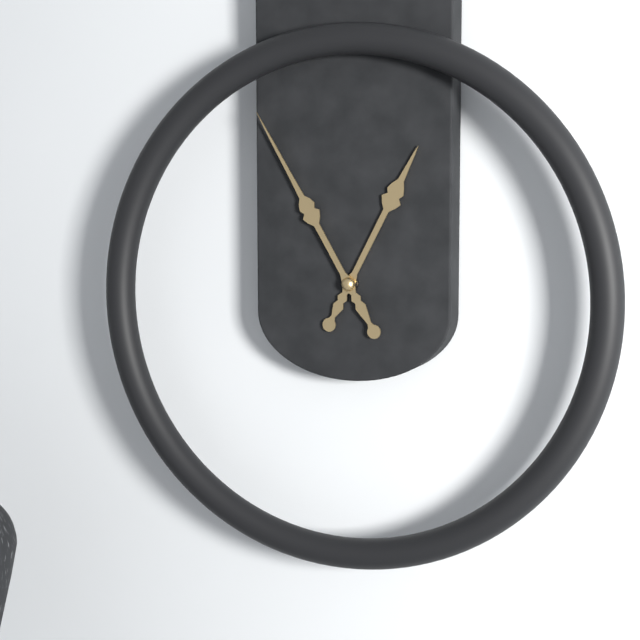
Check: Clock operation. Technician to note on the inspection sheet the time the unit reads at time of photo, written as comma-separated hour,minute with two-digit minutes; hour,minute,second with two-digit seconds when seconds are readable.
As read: 12,55
